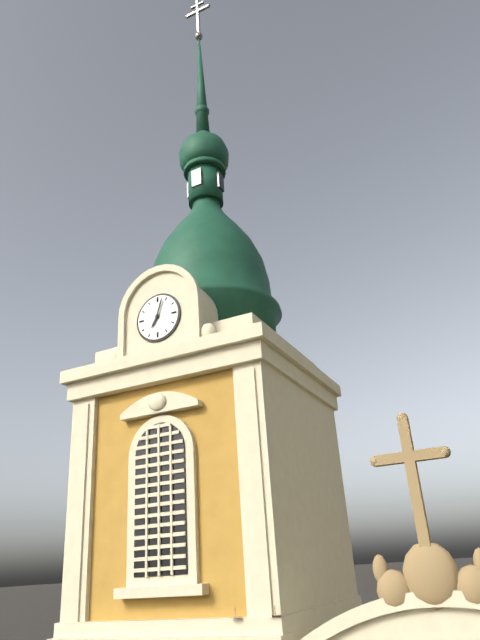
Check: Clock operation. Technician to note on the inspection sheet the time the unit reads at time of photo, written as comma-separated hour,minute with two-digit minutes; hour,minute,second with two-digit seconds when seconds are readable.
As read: 7,03
